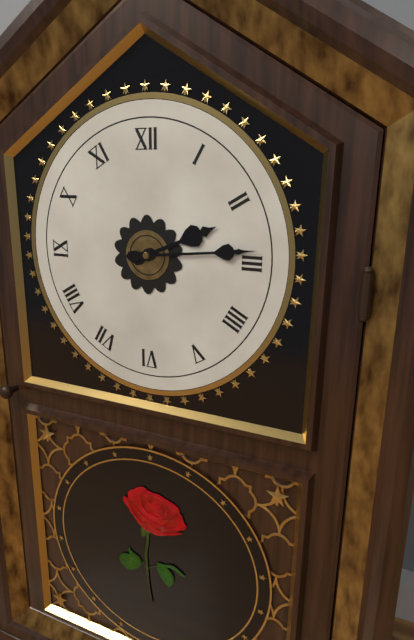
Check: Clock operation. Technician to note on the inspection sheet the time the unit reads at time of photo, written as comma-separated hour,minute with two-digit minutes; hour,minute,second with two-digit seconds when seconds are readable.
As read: 2,14
